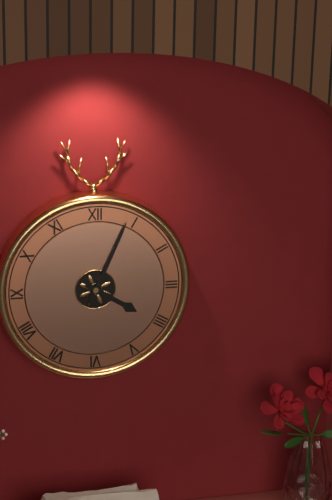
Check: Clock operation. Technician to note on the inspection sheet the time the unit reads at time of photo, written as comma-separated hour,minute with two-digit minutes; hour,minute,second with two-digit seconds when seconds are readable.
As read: 4,04
